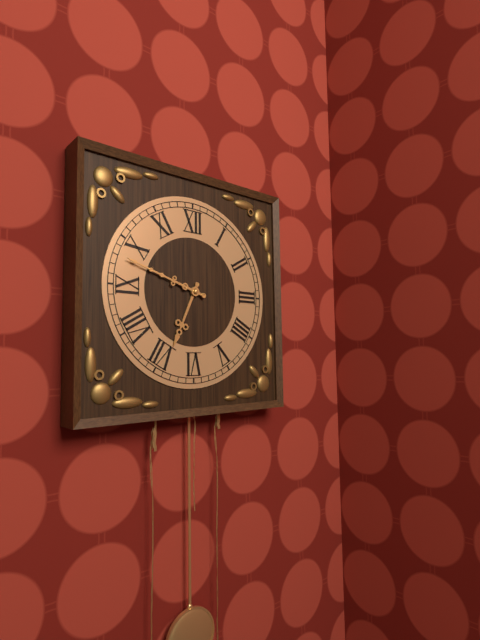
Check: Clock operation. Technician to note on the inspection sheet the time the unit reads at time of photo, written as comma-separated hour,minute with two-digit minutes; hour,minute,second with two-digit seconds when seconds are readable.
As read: 6,48
